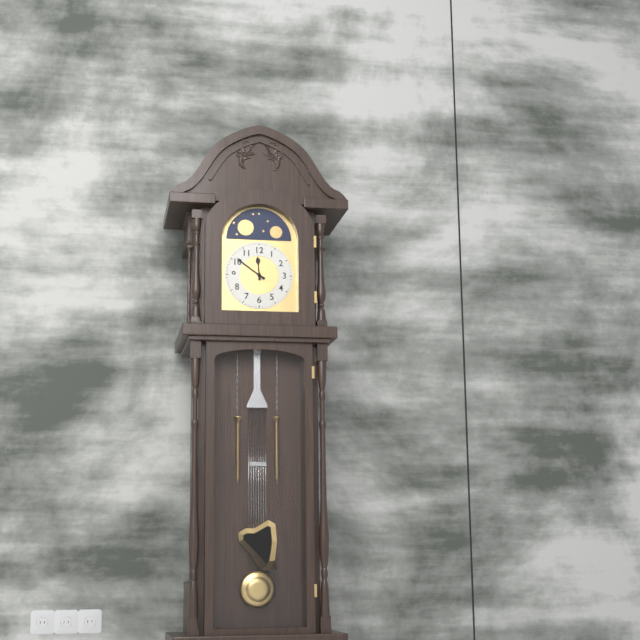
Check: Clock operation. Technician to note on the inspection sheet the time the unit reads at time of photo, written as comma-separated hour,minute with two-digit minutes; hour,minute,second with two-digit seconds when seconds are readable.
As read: 11,51
